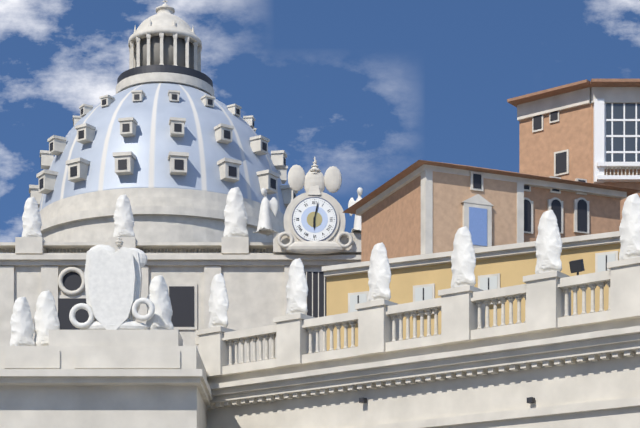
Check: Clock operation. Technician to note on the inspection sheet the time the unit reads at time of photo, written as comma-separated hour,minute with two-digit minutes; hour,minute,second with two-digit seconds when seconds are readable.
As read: 6,02
